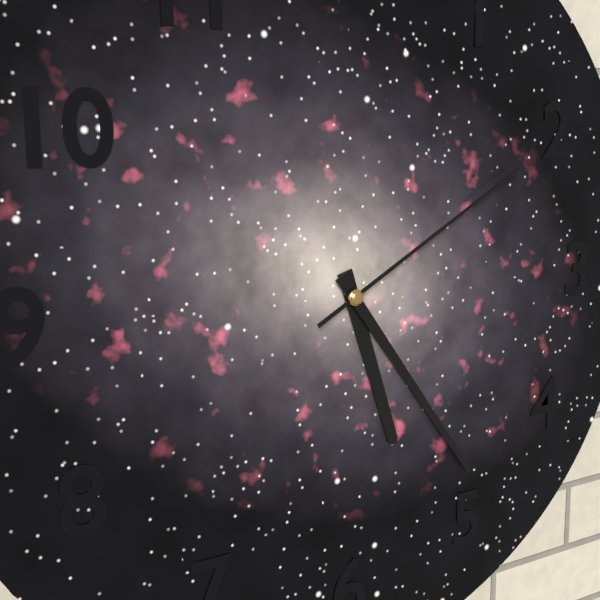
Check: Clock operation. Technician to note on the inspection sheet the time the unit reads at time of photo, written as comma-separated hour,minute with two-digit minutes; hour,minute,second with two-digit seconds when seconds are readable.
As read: 5,24,10
